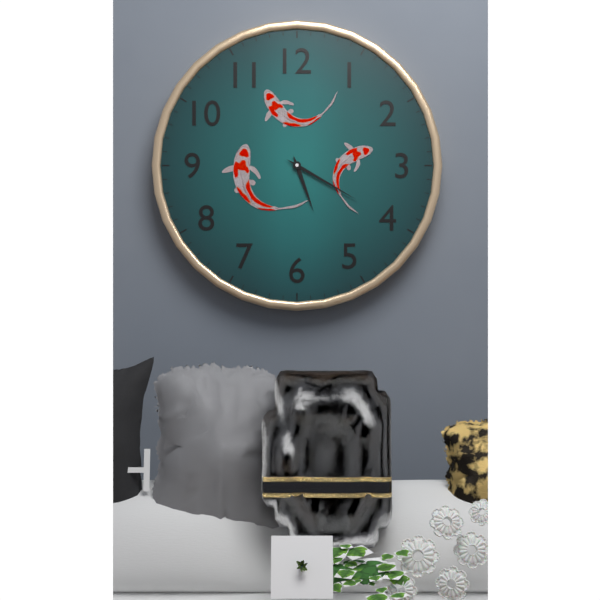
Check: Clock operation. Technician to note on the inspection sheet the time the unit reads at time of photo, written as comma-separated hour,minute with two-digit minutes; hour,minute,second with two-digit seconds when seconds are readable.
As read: 5,20
